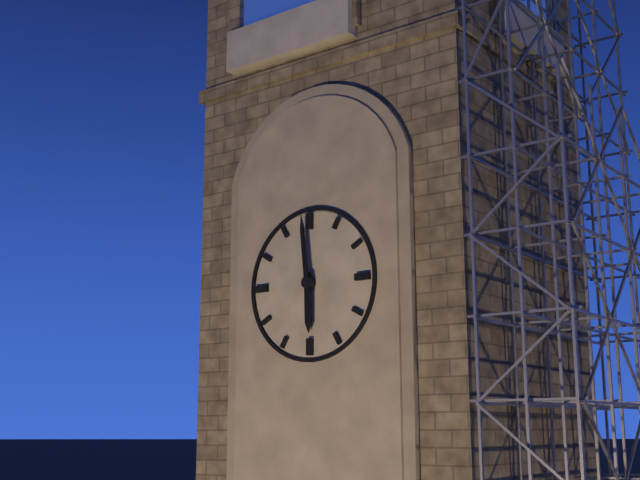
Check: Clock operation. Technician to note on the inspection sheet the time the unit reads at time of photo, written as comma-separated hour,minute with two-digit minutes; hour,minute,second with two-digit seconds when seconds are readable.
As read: 5,59
